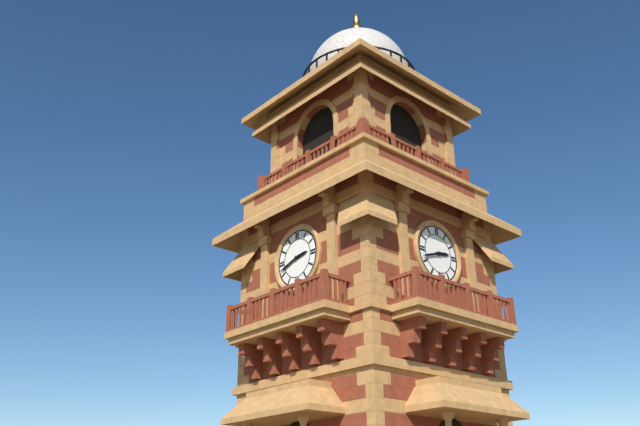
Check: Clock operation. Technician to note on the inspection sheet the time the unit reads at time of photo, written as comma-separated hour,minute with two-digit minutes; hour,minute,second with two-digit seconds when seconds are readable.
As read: 2,42
